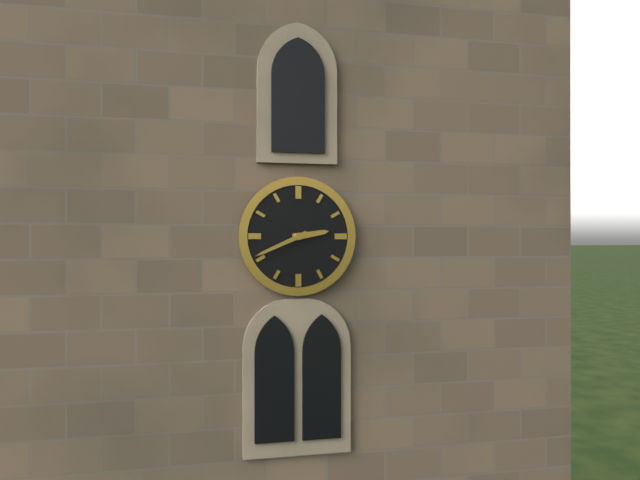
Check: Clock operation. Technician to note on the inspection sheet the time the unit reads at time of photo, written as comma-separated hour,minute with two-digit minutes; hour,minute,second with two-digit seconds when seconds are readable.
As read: 2,41
